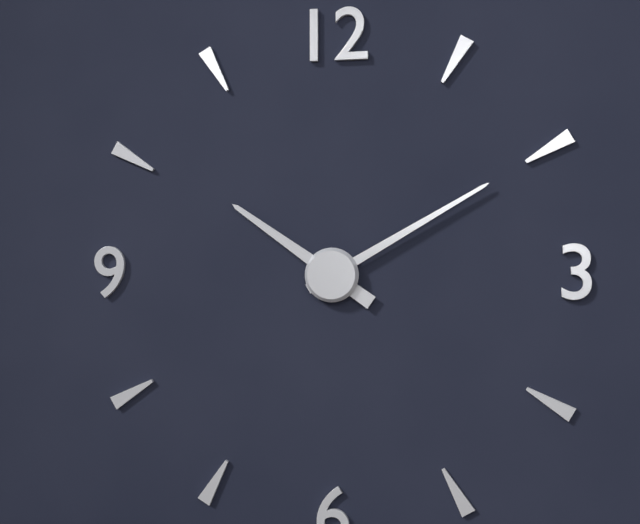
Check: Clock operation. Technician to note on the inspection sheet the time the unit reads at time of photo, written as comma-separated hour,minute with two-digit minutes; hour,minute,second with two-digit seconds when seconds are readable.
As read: 10,10
